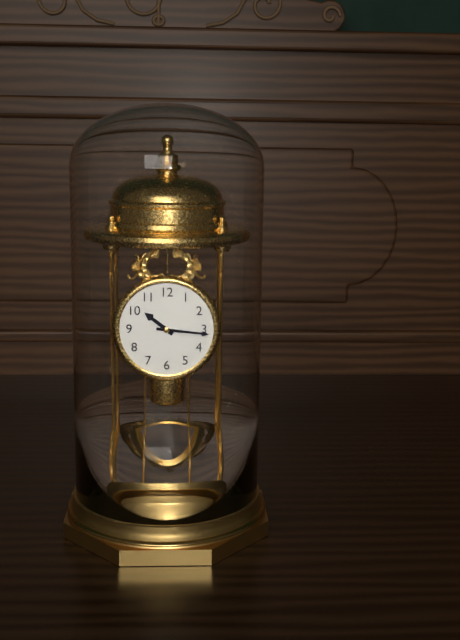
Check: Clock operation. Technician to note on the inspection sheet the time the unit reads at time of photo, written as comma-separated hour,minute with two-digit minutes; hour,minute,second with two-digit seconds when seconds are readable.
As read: 10,16
